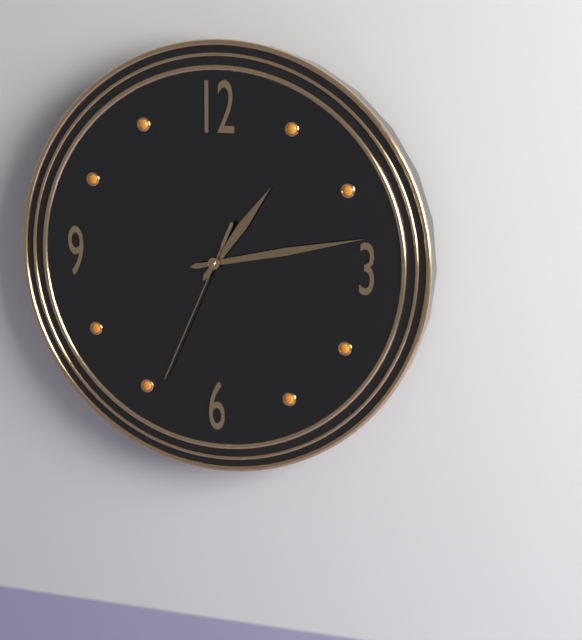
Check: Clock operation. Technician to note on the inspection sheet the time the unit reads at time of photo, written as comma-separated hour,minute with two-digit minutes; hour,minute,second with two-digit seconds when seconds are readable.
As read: 1,13,34
